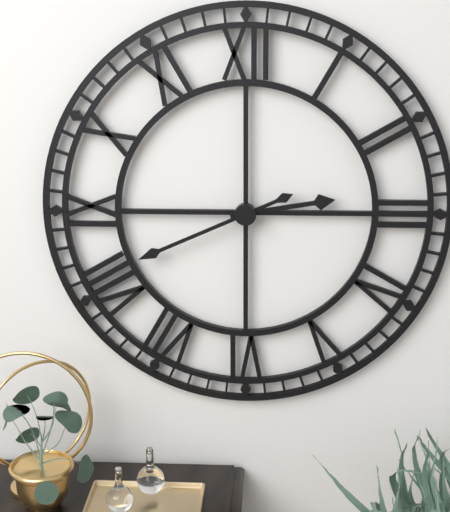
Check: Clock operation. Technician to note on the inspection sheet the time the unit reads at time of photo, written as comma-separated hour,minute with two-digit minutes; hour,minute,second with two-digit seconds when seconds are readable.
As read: 2,41
